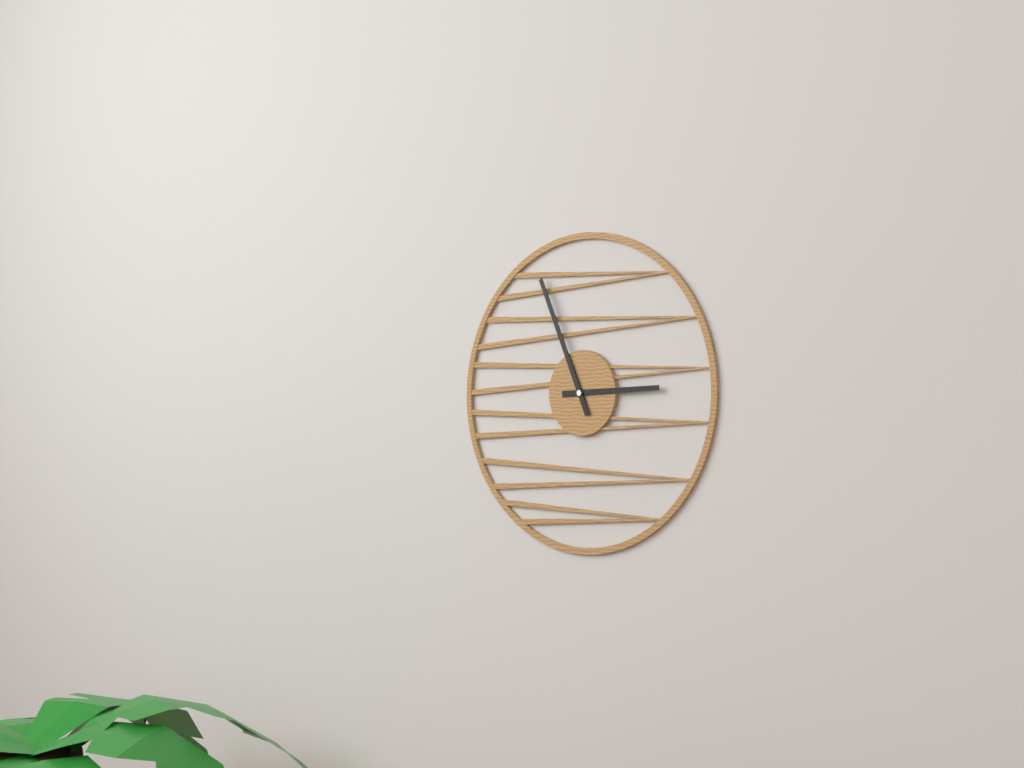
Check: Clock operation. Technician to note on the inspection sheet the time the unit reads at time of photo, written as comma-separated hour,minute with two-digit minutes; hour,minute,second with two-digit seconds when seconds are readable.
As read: 2,56
